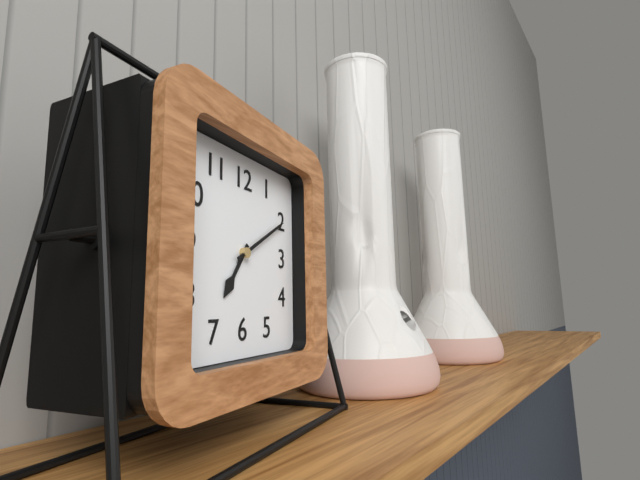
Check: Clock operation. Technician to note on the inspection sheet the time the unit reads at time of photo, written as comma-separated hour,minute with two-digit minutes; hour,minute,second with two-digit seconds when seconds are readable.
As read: 7,10
